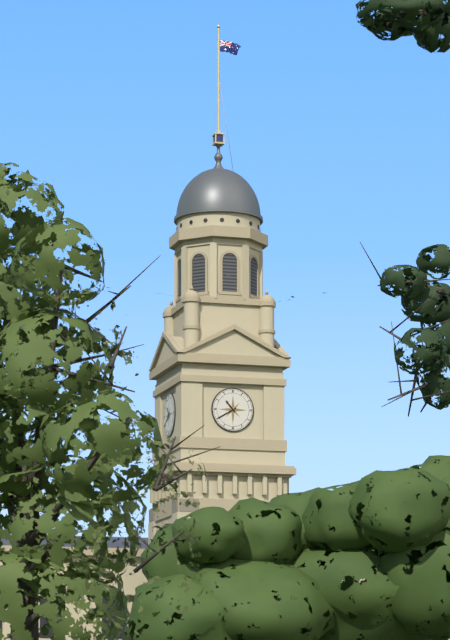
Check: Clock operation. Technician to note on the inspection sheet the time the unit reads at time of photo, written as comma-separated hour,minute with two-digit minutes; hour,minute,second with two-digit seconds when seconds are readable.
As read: 10,40
